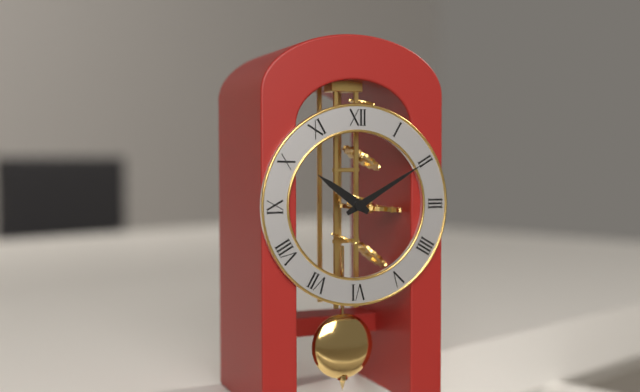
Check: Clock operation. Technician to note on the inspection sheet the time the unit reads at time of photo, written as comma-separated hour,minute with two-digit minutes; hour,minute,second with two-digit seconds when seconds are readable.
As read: 10,10
